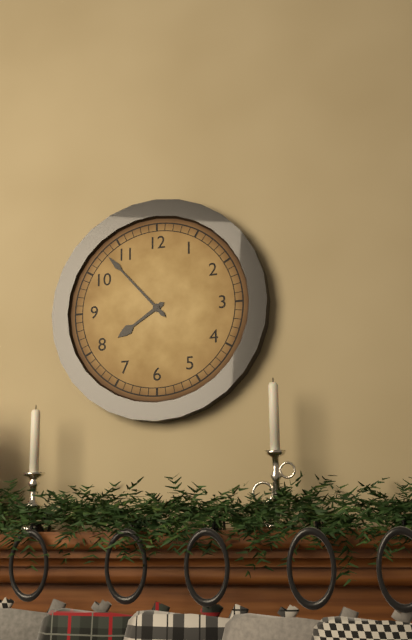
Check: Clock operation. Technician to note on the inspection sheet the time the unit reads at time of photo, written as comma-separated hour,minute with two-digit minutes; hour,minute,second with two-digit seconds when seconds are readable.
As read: 7,53
